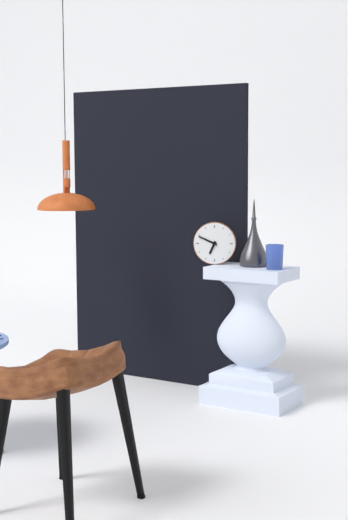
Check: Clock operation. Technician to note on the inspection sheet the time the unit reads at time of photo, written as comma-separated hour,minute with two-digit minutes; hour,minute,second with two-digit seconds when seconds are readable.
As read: 6,49
